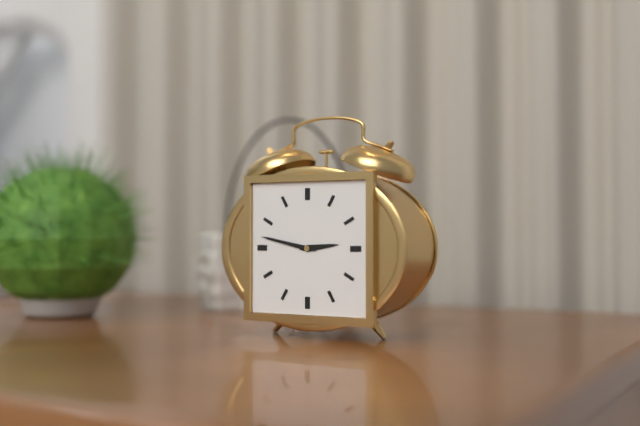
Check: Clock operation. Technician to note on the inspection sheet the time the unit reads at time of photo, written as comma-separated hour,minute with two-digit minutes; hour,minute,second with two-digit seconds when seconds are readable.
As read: 2,47
